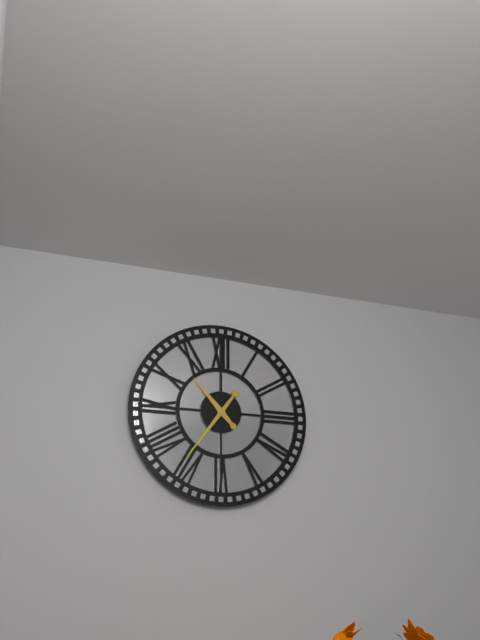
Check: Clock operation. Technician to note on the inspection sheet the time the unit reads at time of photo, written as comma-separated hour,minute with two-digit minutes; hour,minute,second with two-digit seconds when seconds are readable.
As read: 10,36
